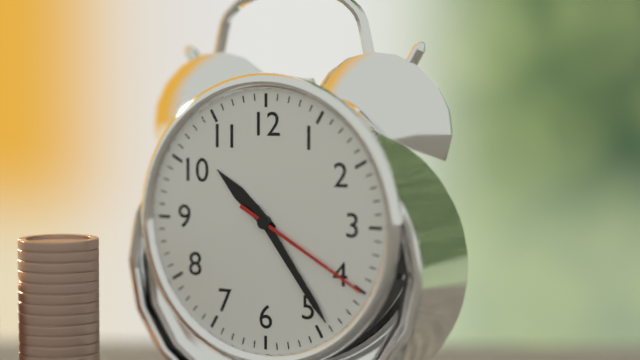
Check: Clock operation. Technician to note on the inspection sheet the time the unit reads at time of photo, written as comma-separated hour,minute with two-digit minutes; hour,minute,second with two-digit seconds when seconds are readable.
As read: 10,24,20
